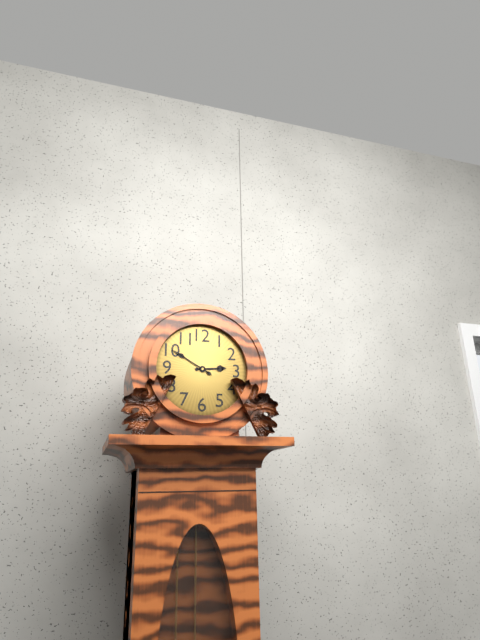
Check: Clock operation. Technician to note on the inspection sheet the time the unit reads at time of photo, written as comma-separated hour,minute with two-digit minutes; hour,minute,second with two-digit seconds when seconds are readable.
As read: 2,50
